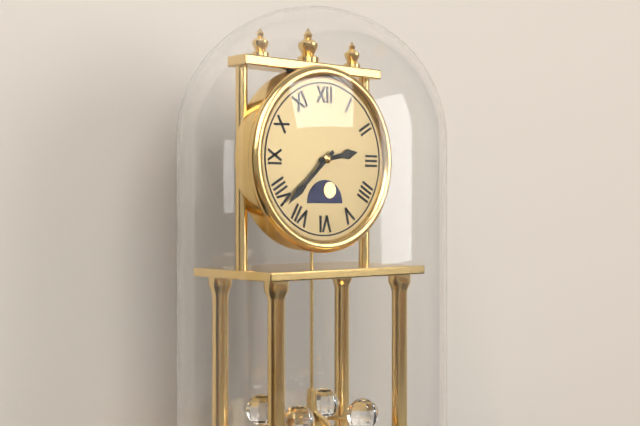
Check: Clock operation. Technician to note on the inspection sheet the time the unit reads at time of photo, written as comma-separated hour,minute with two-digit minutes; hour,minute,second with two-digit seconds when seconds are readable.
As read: 2,38
